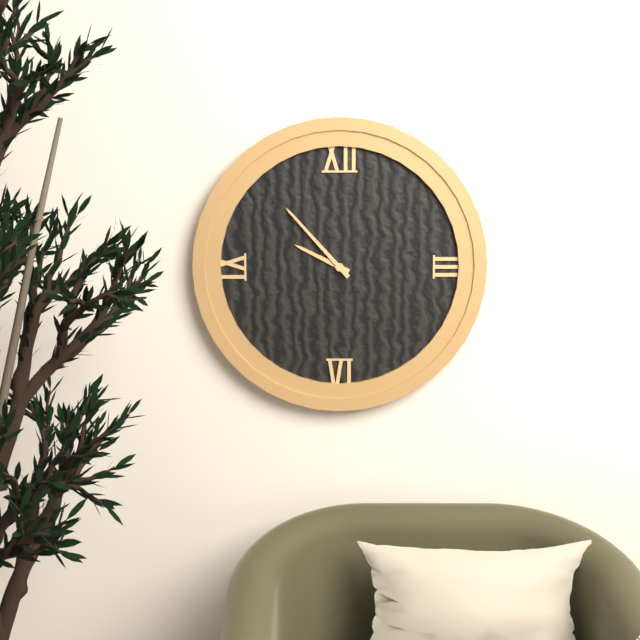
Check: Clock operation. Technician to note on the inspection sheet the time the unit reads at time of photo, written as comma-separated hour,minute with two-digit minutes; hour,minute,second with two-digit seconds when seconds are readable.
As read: 9,53
